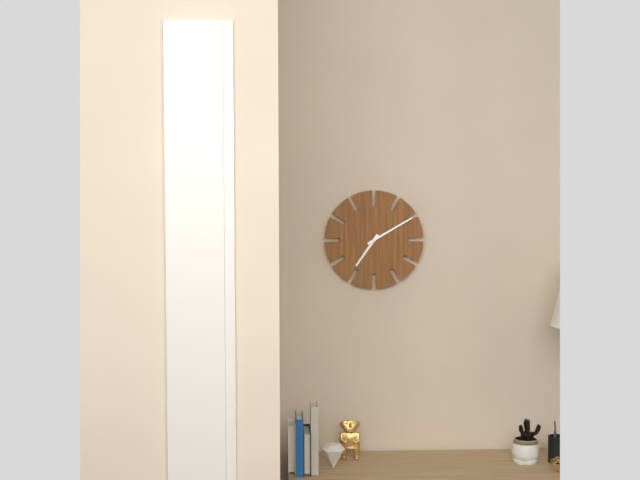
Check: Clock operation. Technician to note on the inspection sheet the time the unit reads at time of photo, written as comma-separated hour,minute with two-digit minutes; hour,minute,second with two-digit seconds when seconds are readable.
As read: 7,10
